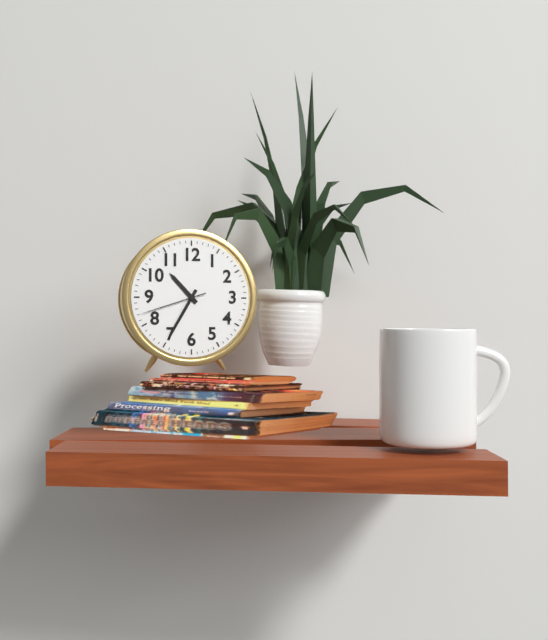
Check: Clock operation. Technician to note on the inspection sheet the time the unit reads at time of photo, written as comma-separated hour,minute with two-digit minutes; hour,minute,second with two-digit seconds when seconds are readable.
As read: 10,35,42
